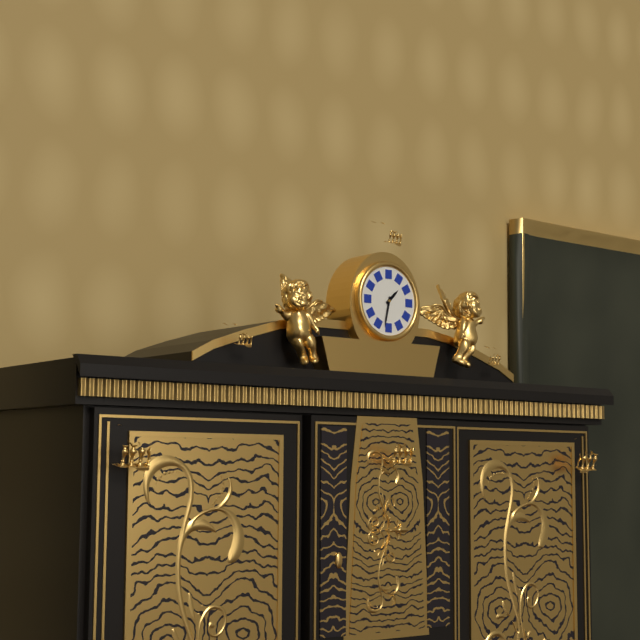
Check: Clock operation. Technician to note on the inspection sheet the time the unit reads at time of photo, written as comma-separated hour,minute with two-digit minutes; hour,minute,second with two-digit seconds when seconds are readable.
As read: 1,32
